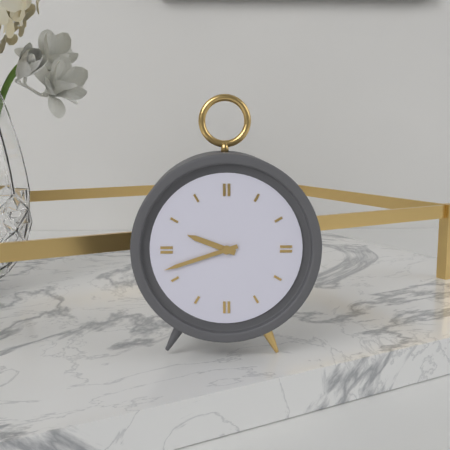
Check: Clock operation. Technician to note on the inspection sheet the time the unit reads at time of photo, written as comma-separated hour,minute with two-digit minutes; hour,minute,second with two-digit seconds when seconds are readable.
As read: 9,42
